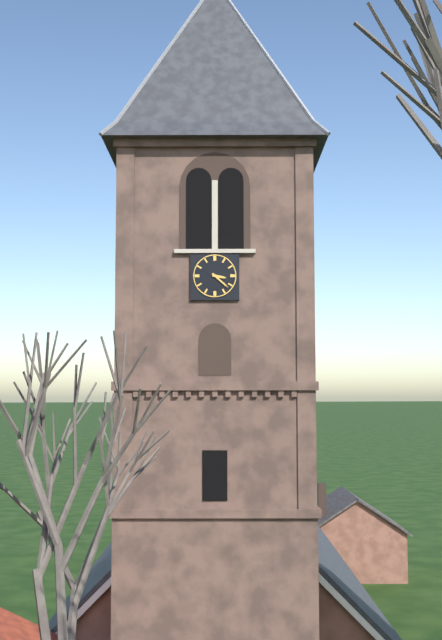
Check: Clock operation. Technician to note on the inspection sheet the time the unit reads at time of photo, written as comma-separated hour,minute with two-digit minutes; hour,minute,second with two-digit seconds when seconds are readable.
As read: 3,22
